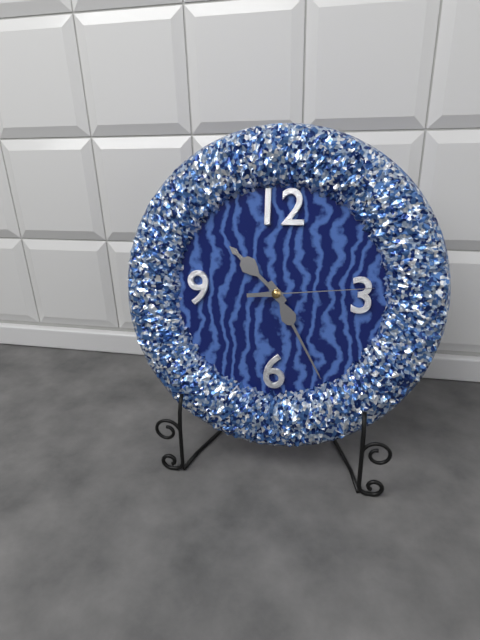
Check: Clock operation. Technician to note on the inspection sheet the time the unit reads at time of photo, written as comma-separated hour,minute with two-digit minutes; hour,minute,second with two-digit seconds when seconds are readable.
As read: 10,25,14
